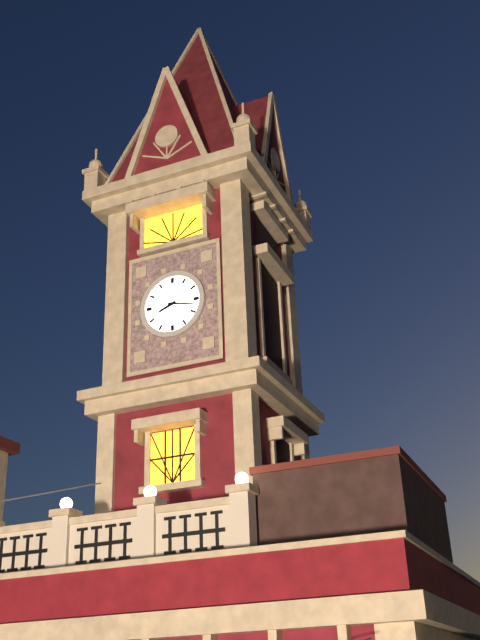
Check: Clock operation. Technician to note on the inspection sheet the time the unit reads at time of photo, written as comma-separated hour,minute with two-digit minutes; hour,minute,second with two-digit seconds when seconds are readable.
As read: 8,17
